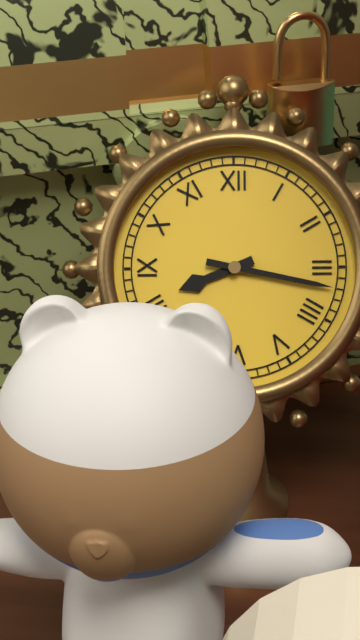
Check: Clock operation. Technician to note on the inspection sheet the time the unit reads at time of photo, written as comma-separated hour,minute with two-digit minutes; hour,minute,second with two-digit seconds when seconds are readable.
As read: 8,17
